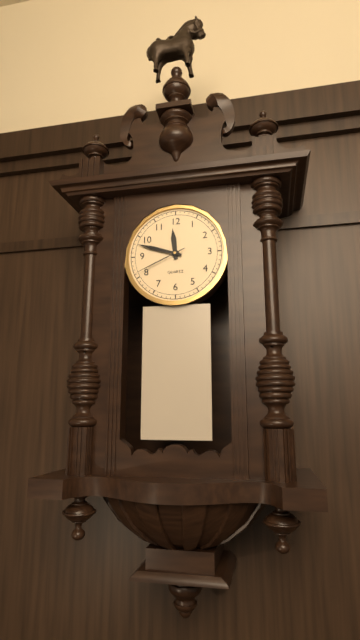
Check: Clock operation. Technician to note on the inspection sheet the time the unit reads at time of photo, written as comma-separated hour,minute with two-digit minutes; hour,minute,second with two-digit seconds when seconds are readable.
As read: 11,48,41
